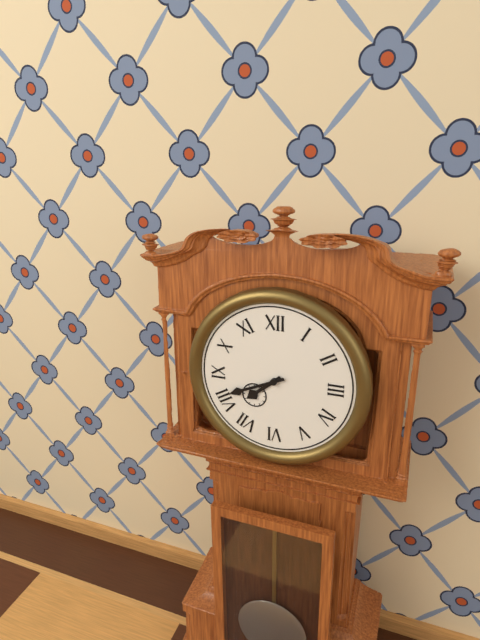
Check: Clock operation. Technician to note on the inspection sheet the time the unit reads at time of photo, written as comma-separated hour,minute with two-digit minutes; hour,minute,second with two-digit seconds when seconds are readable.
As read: 7,41
